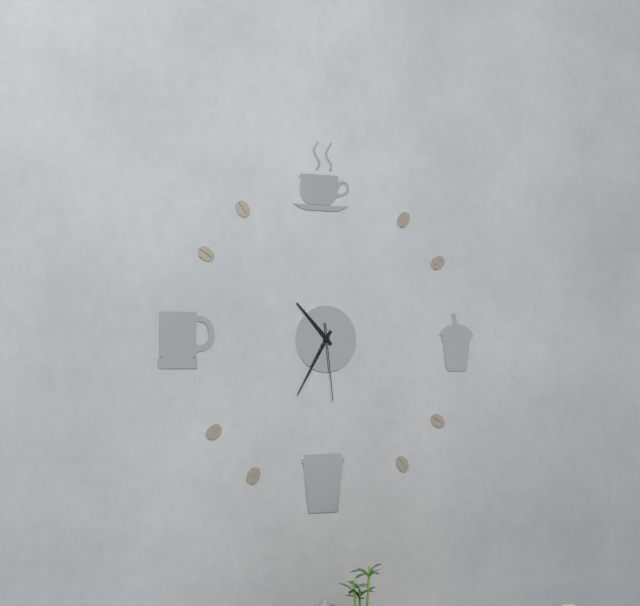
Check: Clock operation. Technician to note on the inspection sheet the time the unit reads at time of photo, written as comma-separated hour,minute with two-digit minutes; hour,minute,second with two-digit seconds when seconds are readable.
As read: 10,35,29
